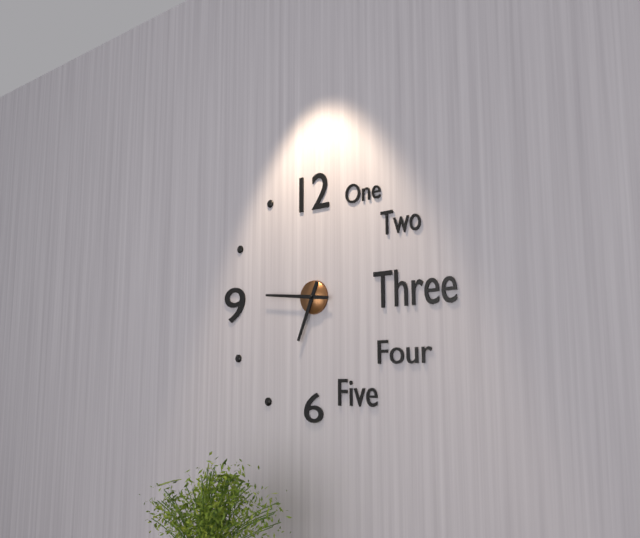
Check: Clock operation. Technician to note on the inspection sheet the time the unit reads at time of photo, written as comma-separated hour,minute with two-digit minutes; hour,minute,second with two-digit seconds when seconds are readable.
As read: 6,46
